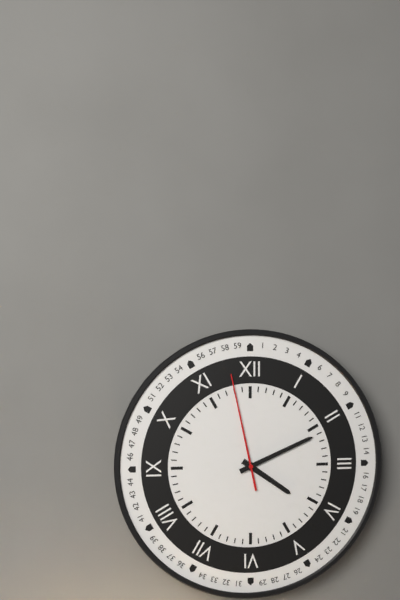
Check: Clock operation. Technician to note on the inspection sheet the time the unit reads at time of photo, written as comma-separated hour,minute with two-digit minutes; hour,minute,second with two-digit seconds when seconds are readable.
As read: 4,11,58
